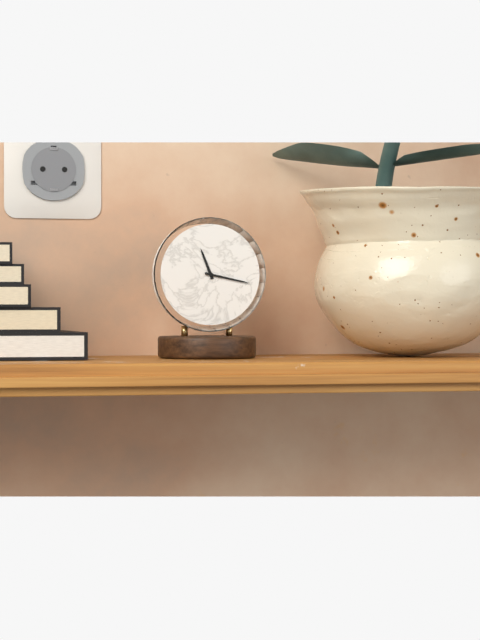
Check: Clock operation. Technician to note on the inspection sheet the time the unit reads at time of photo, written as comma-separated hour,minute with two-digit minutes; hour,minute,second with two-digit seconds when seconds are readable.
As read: 11,17
